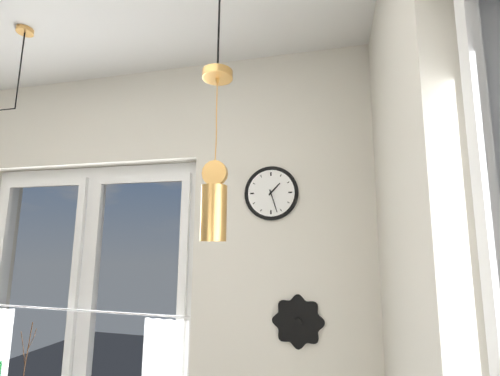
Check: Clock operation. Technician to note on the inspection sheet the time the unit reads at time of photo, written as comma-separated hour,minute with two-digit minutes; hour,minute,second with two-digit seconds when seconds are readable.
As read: 1,27
